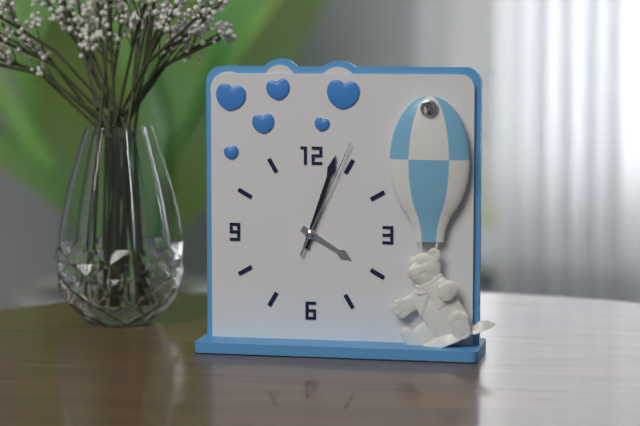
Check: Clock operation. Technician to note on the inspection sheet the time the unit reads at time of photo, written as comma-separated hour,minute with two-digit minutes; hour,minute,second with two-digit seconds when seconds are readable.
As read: 4,03,04
